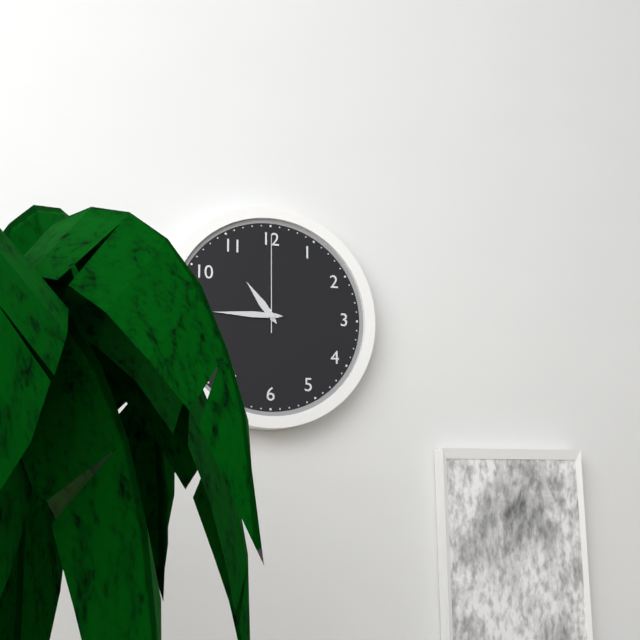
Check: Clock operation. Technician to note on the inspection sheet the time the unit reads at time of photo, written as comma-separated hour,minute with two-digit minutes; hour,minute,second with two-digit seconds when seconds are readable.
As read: 10,45,00
